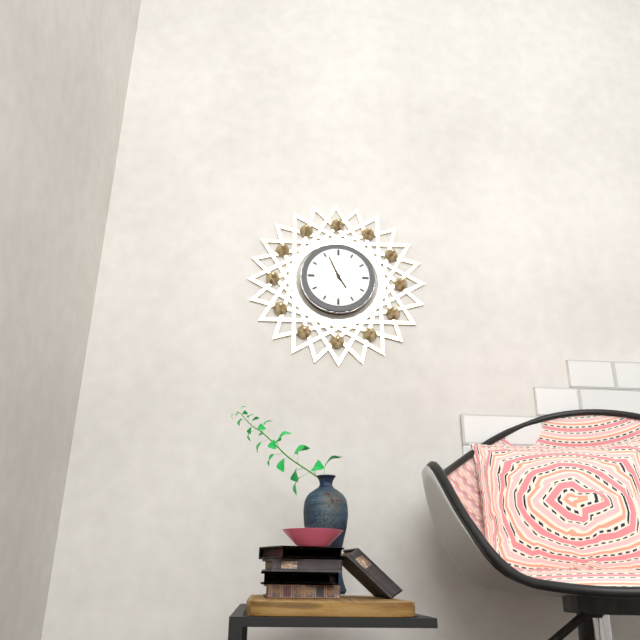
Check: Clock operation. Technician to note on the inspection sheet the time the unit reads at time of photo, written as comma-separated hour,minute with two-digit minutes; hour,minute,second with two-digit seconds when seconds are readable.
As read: 4,56
